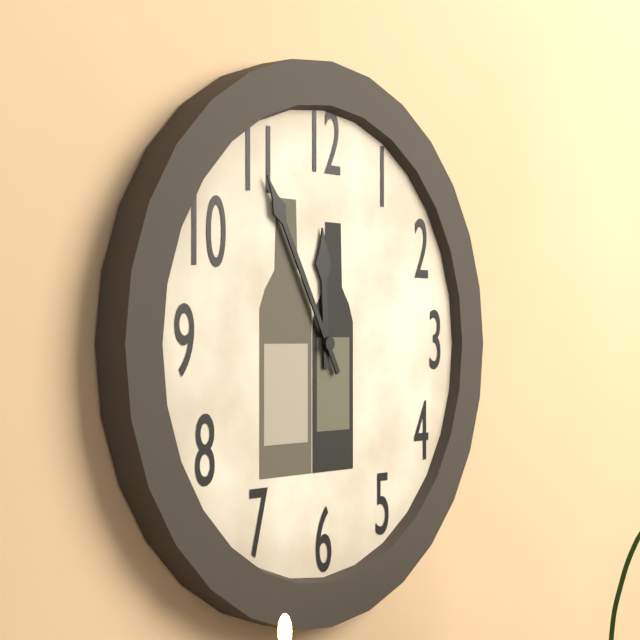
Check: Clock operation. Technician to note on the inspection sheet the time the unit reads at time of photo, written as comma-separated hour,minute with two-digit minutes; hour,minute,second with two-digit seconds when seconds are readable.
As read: 11,55
